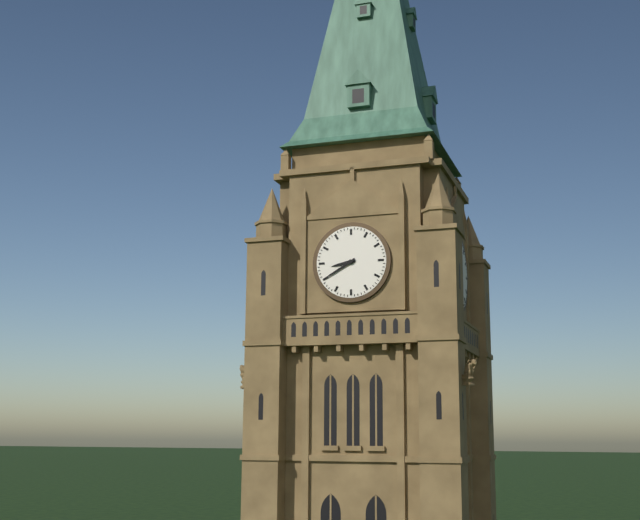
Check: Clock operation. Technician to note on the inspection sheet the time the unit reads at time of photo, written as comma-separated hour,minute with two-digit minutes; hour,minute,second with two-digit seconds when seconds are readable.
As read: 8,40
